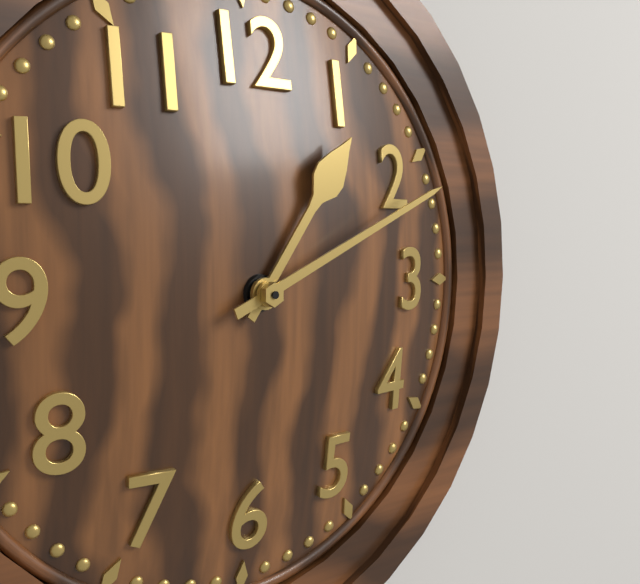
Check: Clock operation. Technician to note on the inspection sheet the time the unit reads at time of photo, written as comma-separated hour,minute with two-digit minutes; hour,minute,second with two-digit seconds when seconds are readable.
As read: 1,11
